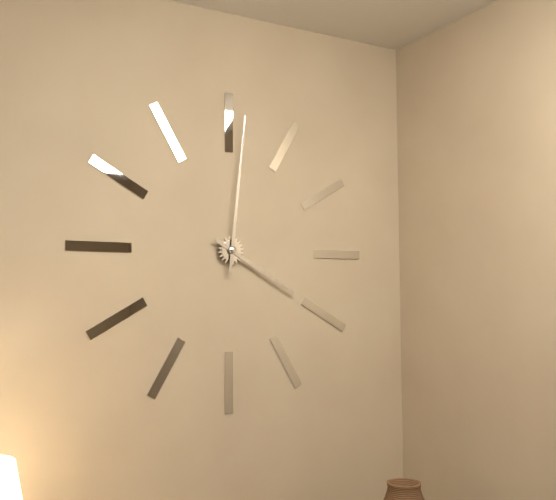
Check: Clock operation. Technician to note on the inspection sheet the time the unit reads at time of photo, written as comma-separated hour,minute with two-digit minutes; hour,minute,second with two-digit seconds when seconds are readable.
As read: 4,01
